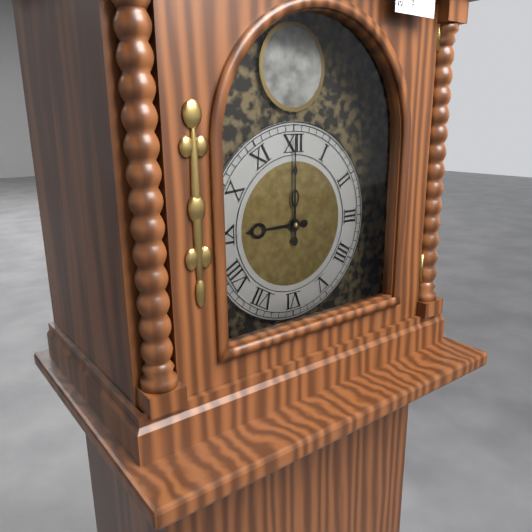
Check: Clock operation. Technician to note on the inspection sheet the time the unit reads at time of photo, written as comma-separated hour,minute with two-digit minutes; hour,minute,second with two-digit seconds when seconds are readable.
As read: 9,00
